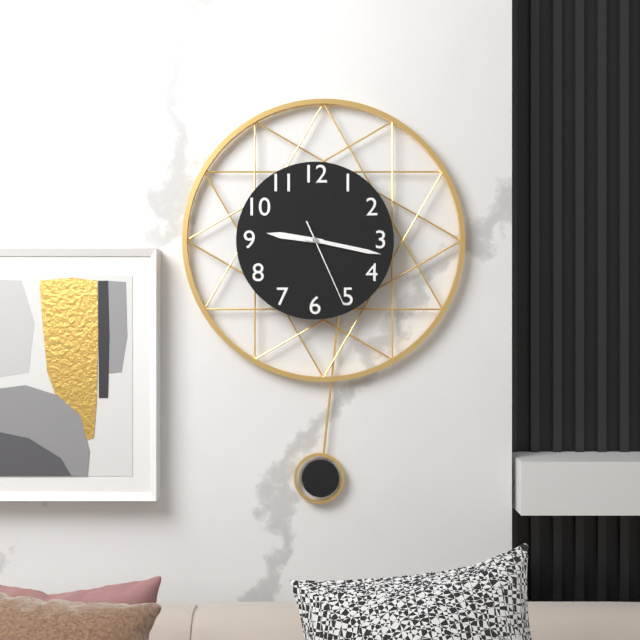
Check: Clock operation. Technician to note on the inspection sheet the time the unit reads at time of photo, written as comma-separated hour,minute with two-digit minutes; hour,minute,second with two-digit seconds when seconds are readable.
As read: 9,17,26
